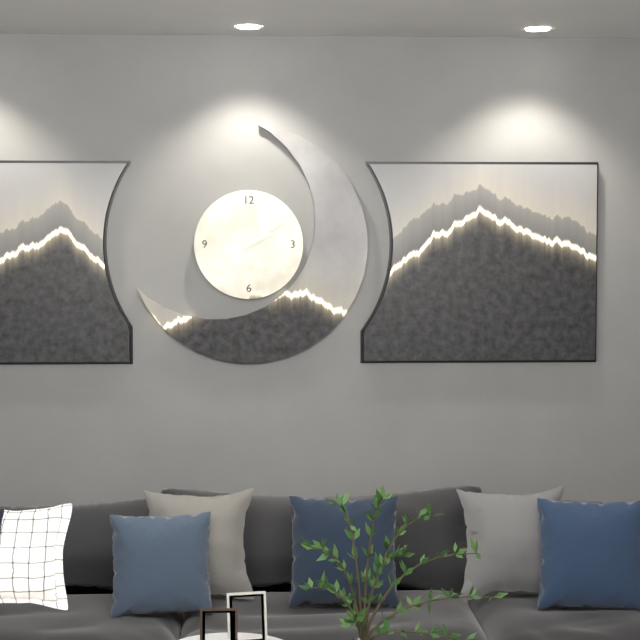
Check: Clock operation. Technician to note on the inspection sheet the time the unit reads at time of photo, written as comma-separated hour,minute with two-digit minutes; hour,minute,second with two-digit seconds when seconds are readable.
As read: 2,09
